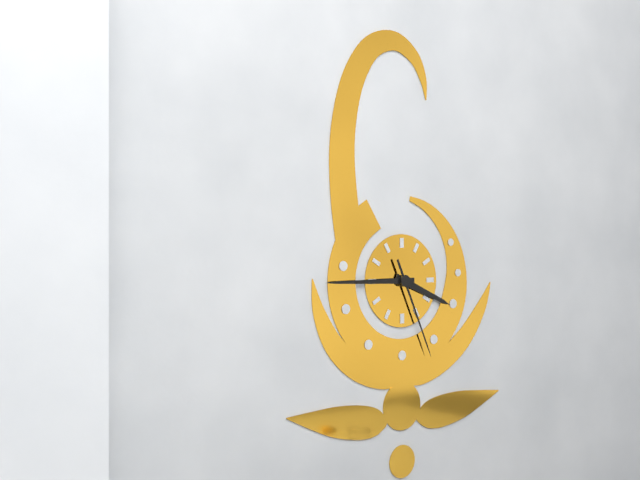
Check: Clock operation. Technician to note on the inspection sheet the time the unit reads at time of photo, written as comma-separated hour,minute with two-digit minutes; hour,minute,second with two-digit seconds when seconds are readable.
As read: 3,45,26
